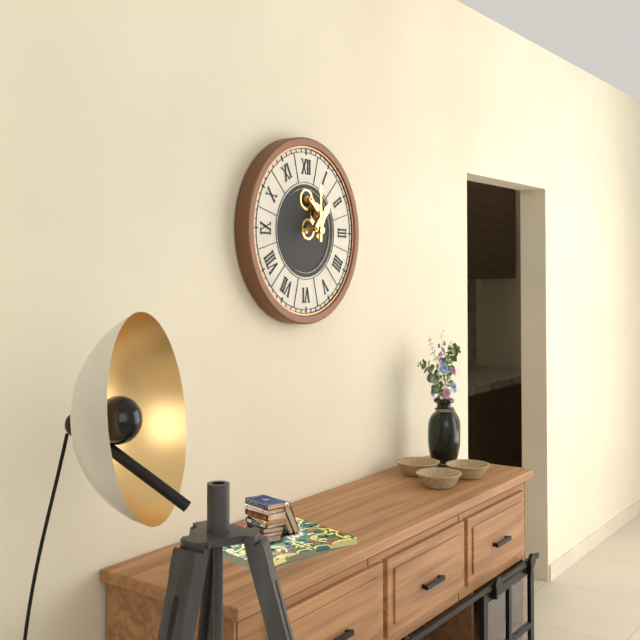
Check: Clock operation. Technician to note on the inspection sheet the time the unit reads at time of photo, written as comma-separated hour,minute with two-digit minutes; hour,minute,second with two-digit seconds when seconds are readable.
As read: 1,00
